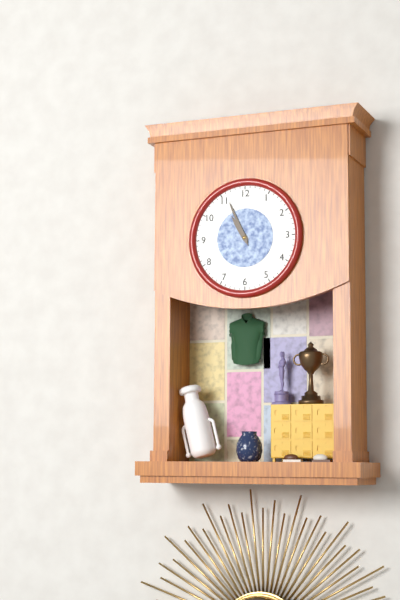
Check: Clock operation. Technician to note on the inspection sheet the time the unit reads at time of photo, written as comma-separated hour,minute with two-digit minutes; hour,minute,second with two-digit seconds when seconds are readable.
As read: 10,56
